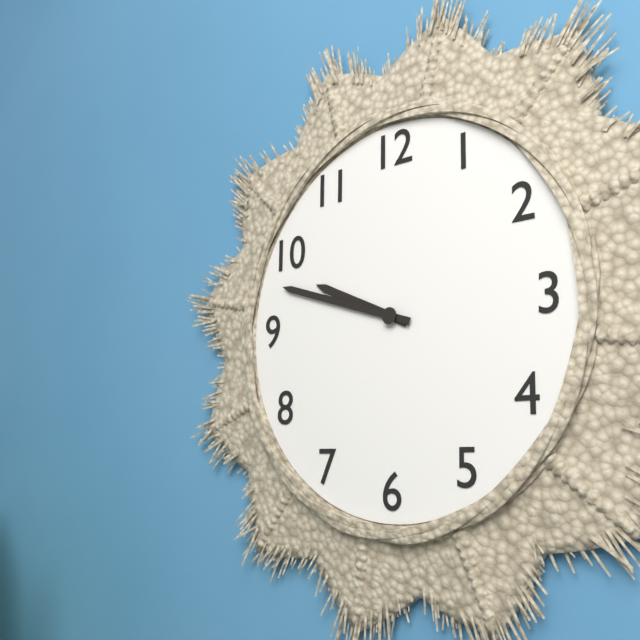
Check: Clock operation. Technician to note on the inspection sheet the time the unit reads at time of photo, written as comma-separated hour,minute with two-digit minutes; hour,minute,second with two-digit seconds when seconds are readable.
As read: 9,48
